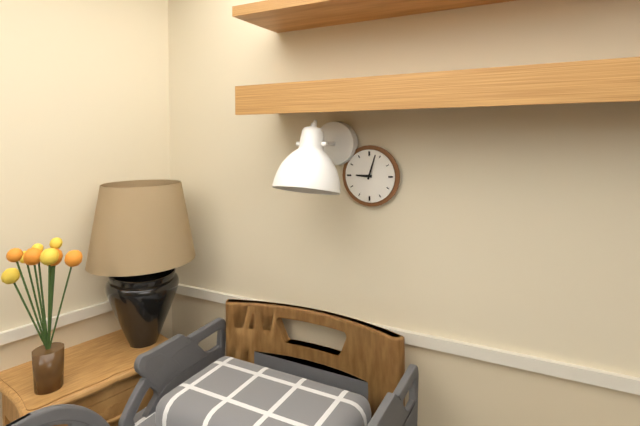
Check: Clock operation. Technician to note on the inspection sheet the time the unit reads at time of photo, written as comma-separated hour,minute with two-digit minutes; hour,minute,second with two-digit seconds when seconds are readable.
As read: 9,03
